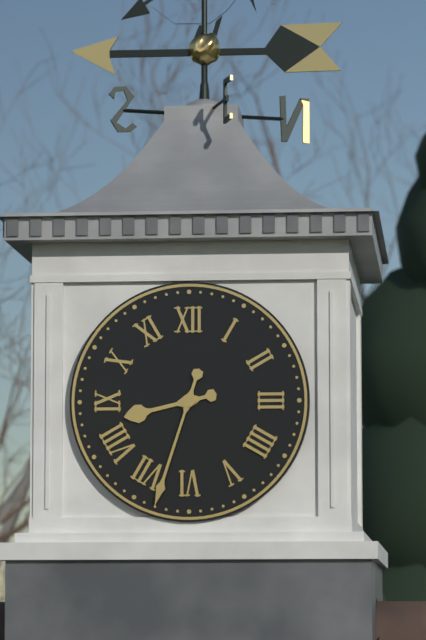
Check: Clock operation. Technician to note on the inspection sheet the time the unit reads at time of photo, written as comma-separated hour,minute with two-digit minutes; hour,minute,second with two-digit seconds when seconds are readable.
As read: 8,33
